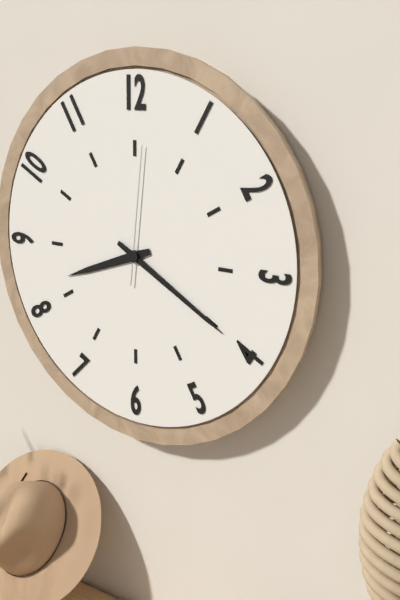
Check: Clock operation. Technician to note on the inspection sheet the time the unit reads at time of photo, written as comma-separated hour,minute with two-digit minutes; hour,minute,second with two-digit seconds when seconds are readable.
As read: 8,20,01
